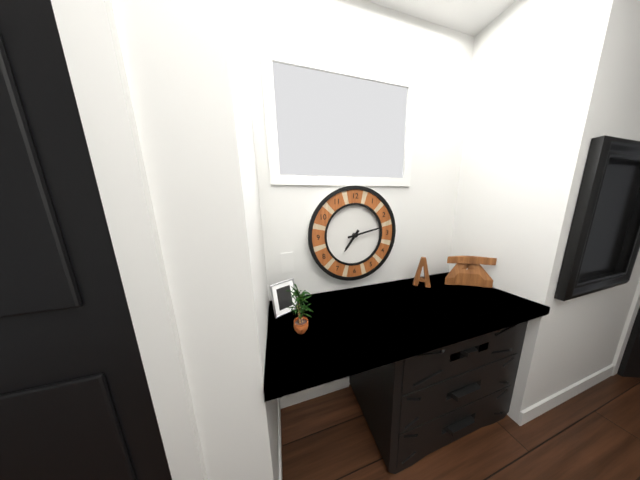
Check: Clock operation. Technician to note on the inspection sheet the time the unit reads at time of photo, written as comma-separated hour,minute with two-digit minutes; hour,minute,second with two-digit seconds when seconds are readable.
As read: 7,13
